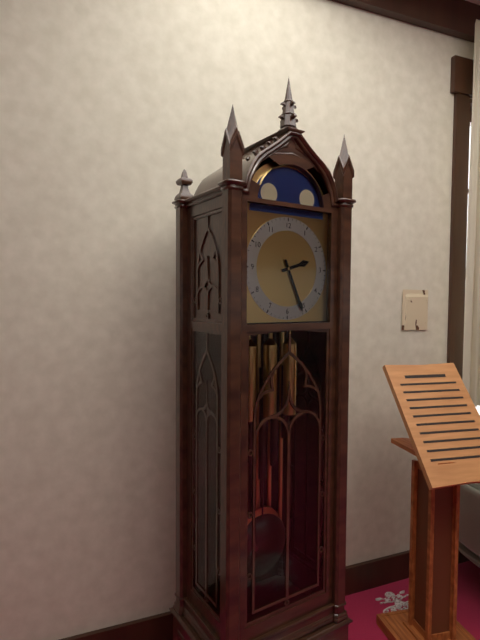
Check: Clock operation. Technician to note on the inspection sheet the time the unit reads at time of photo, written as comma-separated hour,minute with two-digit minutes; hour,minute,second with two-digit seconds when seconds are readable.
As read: 2,26
